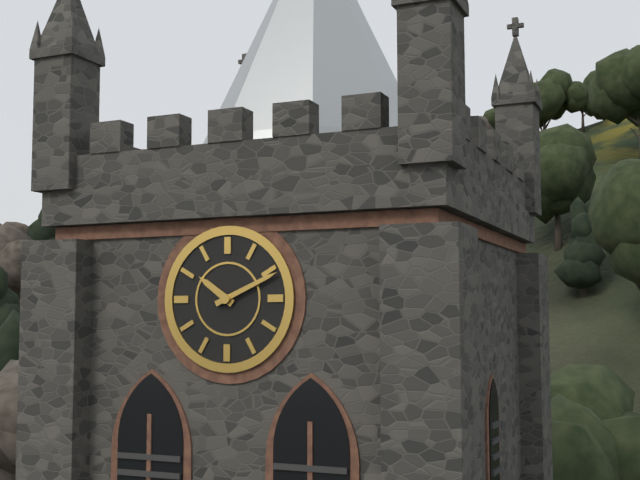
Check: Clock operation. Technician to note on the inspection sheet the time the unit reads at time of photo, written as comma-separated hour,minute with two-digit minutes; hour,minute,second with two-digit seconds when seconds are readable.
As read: 10,11
